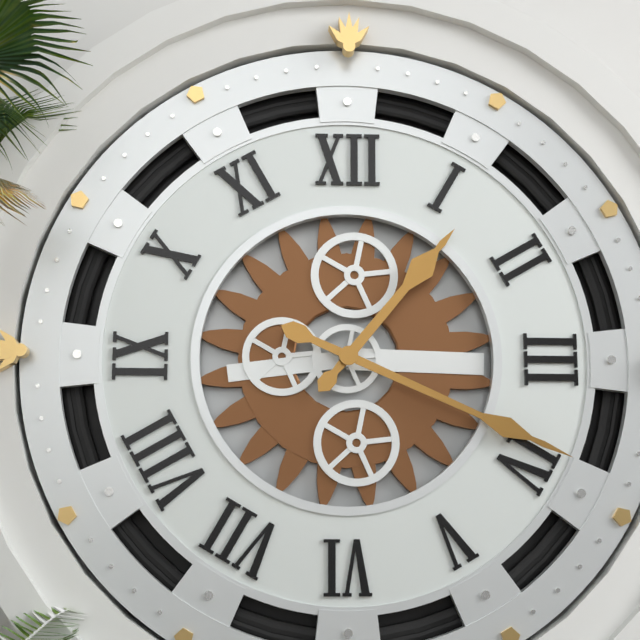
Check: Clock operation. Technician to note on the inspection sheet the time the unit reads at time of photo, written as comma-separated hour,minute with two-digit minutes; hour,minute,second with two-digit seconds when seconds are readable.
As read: 1,19
